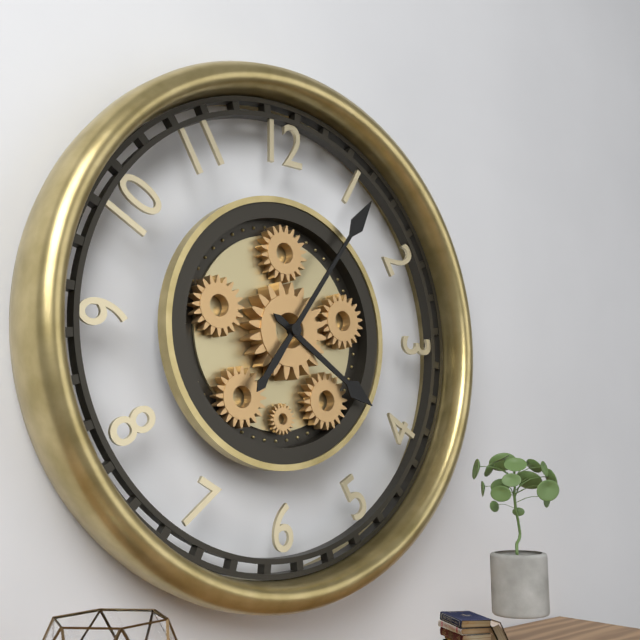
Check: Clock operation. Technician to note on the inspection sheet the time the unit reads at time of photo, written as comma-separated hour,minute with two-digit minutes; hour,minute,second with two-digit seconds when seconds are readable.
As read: 4,06
